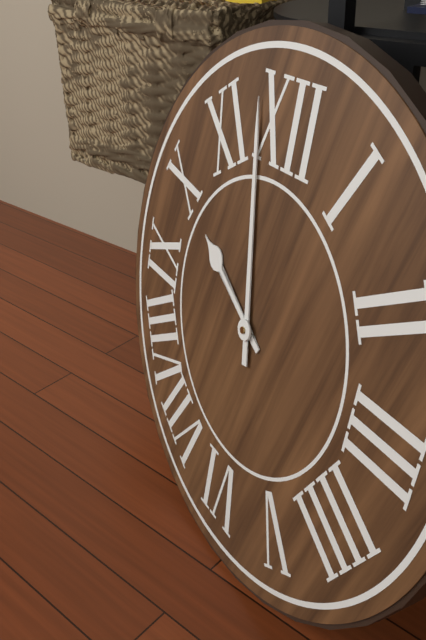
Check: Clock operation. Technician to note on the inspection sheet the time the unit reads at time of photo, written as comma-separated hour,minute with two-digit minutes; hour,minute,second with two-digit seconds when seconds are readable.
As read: 9,58
